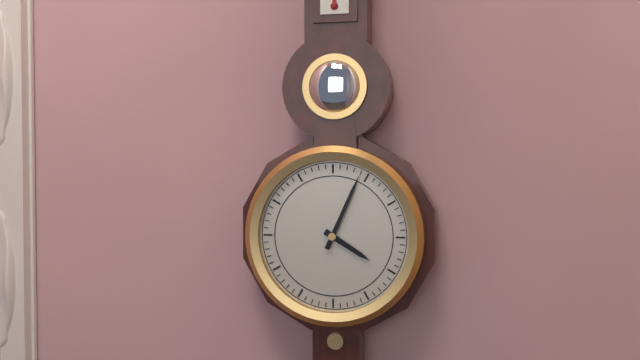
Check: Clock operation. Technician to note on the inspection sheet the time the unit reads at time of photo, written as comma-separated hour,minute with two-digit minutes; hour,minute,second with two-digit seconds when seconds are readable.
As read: 4,04
